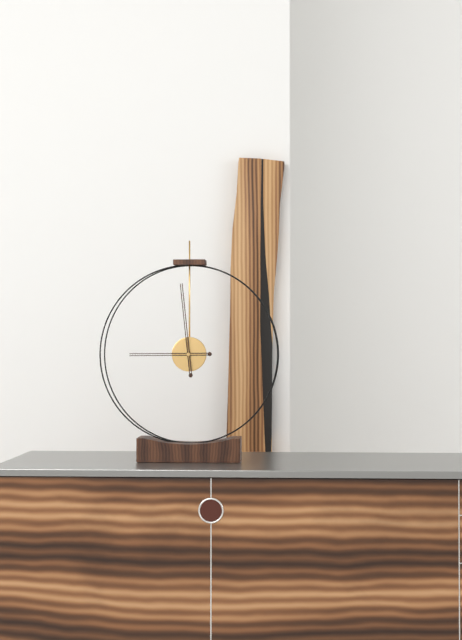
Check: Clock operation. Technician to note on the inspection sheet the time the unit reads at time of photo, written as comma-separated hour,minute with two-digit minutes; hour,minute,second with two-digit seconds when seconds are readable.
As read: 8,59
